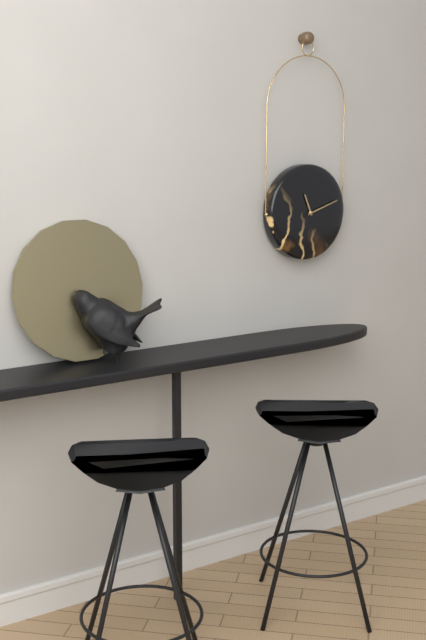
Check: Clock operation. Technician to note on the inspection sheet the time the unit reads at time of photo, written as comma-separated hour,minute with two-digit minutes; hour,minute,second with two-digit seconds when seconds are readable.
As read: 11,12
